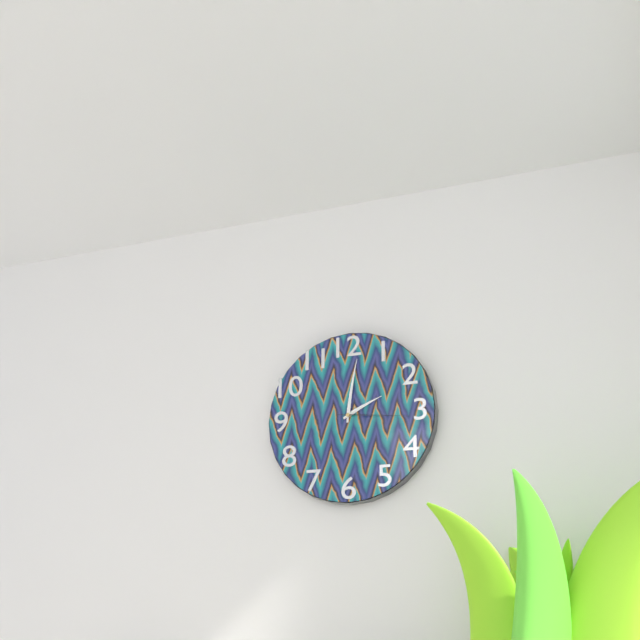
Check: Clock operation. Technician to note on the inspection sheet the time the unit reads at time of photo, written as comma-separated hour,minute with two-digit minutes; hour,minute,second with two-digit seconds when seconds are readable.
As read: 2,01,16
